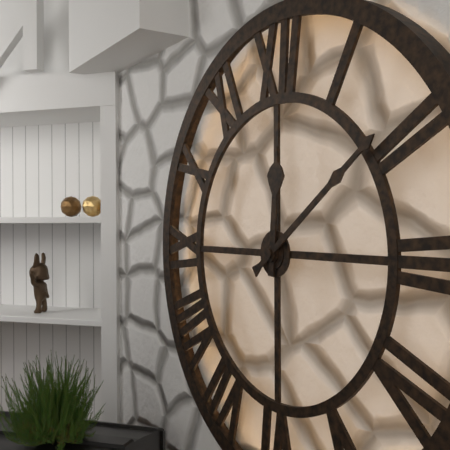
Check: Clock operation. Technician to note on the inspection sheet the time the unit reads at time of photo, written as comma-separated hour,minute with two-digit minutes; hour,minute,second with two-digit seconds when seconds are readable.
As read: 12,09
